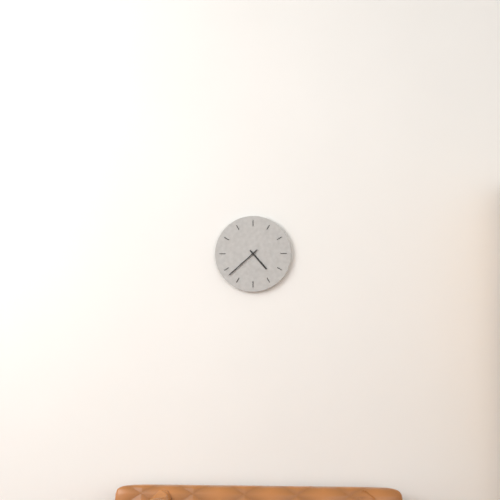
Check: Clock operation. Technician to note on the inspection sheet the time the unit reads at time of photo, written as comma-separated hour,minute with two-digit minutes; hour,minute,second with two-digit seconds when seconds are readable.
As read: 4,38
